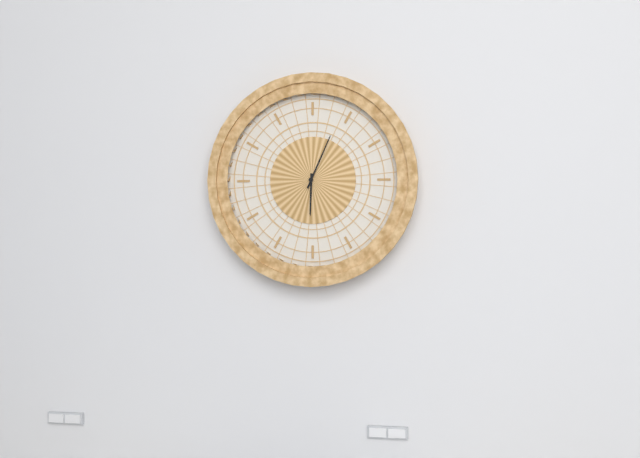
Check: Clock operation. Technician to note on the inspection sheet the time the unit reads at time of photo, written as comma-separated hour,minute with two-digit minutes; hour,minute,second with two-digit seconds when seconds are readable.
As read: 6,04
